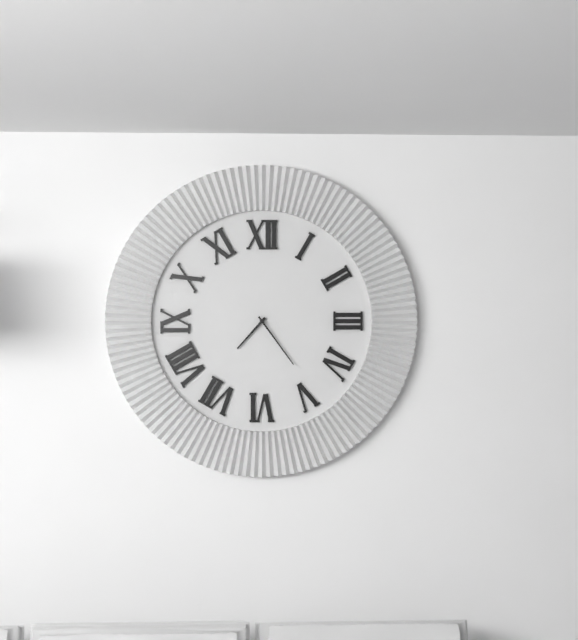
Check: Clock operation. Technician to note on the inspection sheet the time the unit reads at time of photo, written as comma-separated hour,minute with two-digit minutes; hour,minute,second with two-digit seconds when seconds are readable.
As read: 7,24
